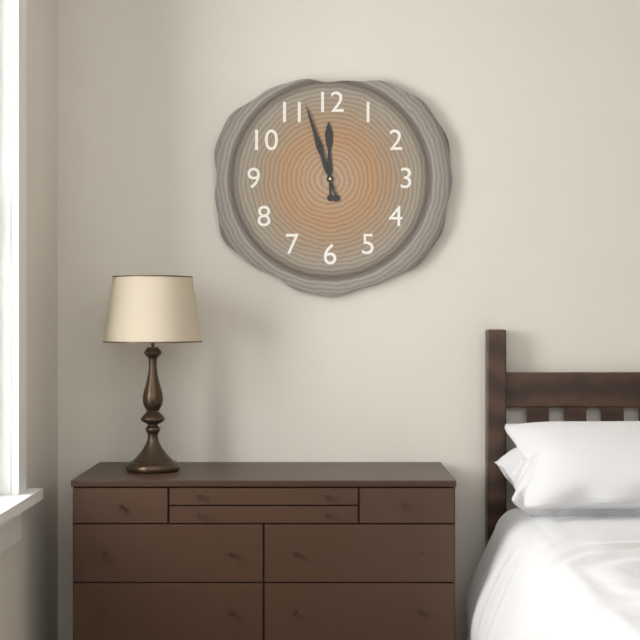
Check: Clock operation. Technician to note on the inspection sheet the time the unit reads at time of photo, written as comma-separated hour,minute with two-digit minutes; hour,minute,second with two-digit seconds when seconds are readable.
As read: 11,57
